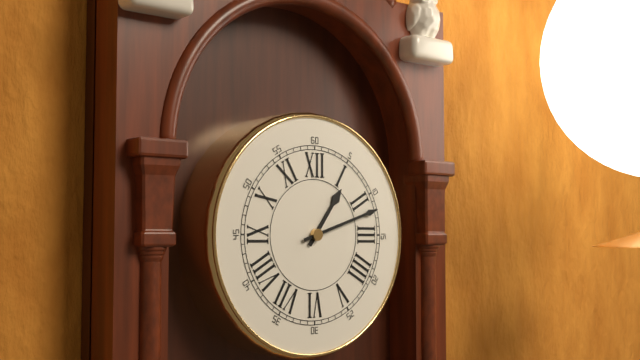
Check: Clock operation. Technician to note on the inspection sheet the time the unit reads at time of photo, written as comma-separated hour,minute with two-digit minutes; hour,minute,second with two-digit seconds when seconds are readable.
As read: 1,12
